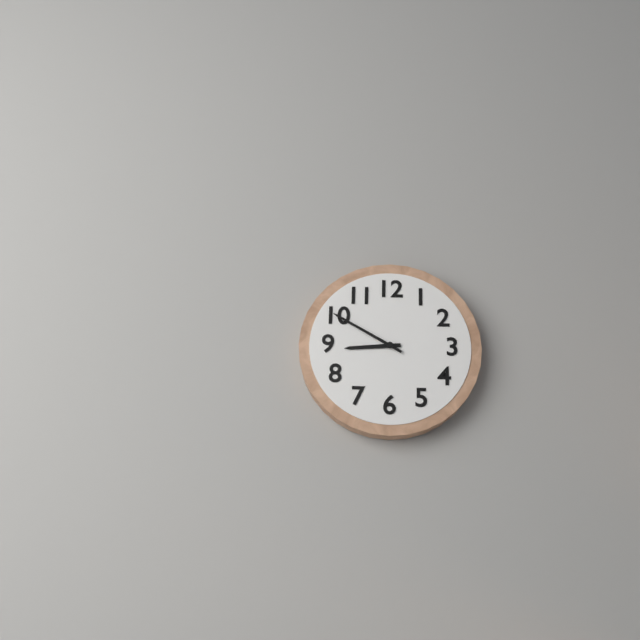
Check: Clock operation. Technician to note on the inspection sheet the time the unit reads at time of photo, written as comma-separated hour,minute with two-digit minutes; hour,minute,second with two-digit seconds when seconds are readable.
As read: 8,50
